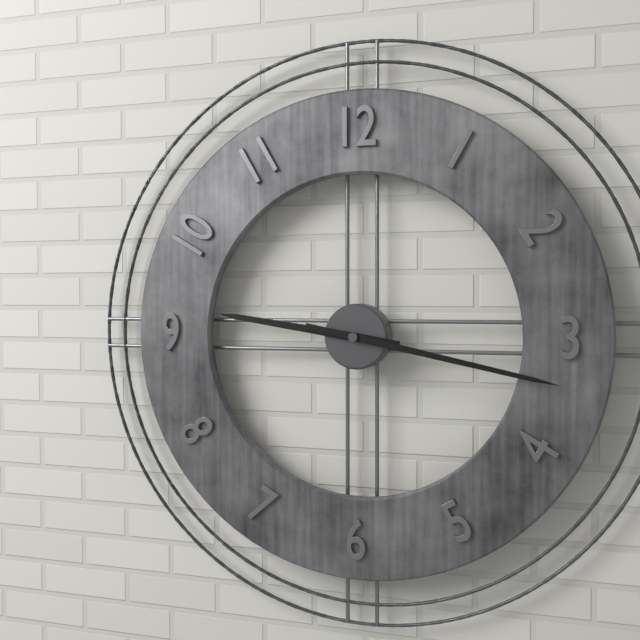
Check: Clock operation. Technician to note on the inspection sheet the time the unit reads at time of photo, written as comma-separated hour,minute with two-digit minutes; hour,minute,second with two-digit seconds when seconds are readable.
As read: 9,17
